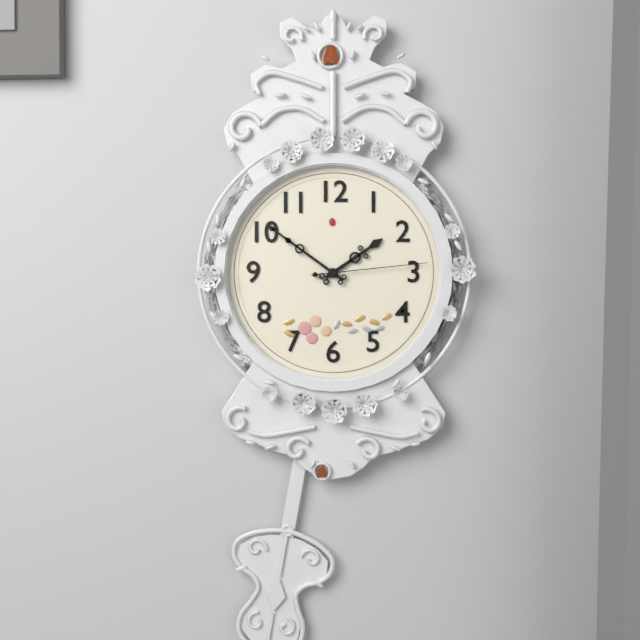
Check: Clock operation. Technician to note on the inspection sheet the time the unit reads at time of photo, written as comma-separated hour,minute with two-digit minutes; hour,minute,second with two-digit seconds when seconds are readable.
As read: 1,51,14
